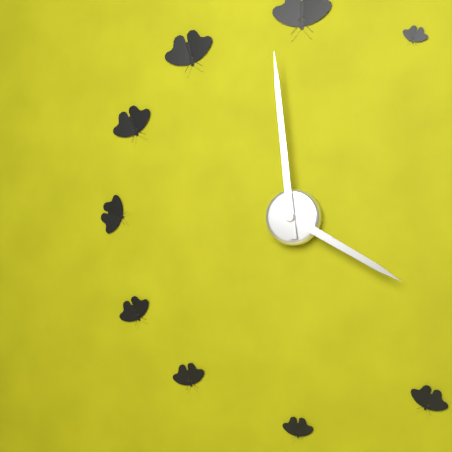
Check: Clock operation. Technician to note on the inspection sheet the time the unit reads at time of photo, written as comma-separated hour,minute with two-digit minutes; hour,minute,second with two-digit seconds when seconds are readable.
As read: 3,59
